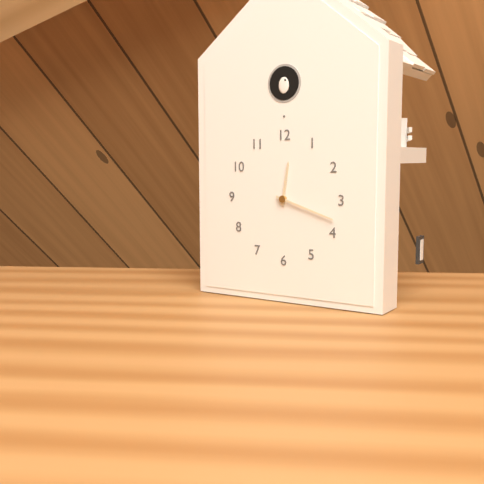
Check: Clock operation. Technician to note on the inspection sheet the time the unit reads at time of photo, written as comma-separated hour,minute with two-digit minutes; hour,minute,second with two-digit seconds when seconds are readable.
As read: 12,18
